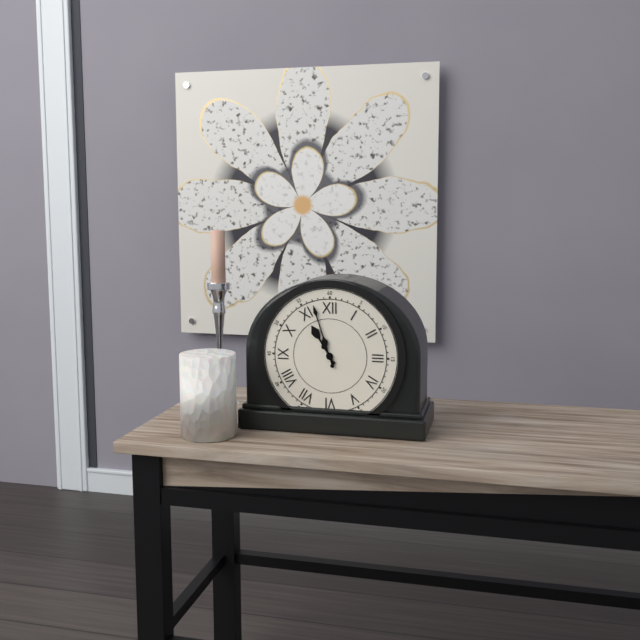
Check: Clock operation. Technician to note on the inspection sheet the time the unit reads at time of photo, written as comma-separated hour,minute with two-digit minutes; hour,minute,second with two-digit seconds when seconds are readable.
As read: 10,57
